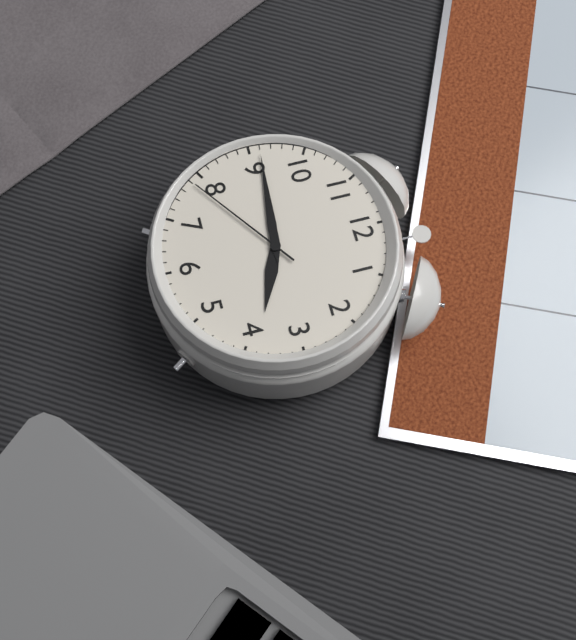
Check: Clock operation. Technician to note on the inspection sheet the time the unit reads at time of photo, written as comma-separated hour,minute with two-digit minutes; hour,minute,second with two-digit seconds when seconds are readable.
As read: 3,46,39
